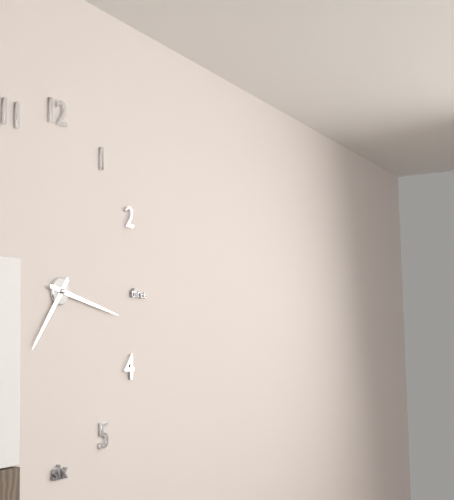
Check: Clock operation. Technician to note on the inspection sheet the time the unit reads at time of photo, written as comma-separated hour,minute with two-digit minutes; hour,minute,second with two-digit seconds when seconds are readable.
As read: 7,17
